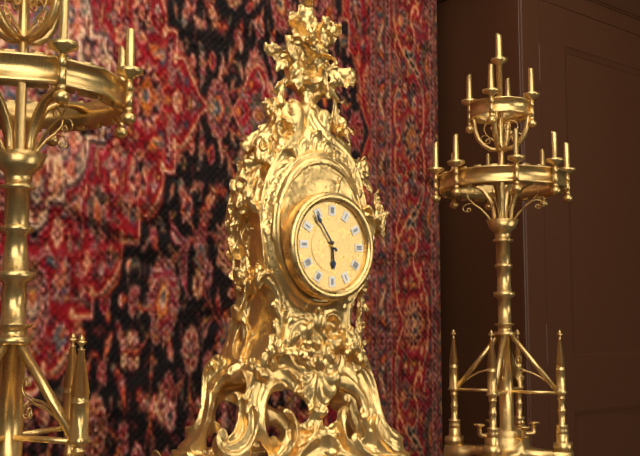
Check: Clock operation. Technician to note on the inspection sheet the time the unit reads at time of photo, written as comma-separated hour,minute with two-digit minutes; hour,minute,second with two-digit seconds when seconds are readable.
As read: 5,54
